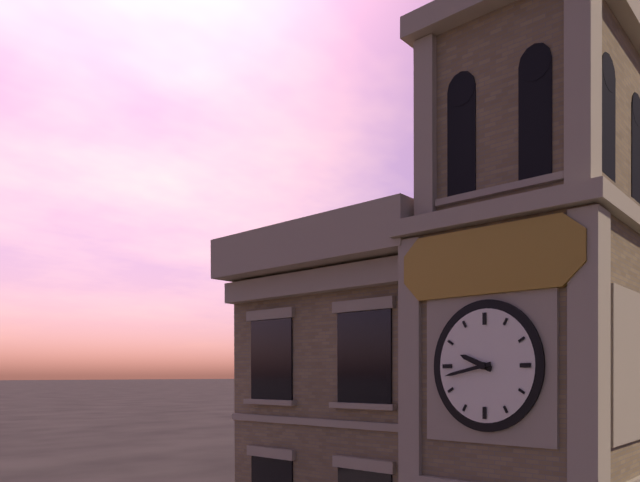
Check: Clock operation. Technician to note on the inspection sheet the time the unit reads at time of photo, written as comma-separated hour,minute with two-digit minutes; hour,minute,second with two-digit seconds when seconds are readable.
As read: 9,43
